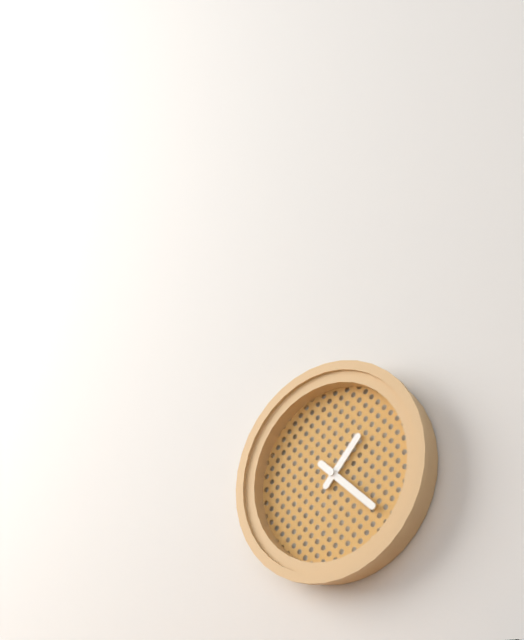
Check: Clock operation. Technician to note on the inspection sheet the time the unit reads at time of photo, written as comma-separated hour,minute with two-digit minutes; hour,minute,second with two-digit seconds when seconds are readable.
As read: 1,22
